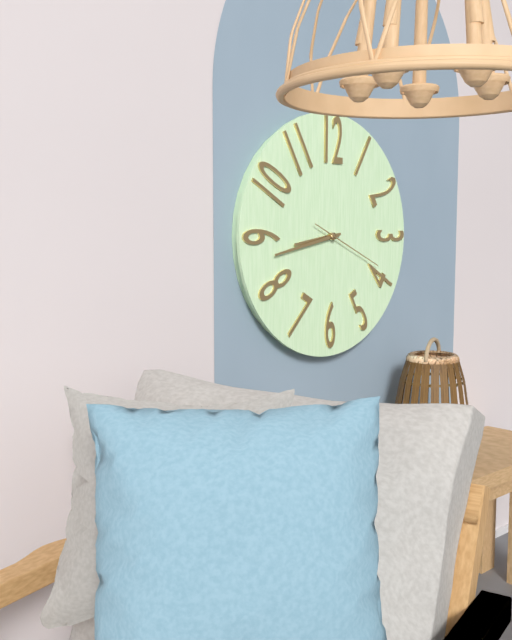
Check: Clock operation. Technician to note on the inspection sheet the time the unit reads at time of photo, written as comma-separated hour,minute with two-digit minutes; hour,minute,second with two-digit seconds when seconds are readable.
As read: 8,43,19
